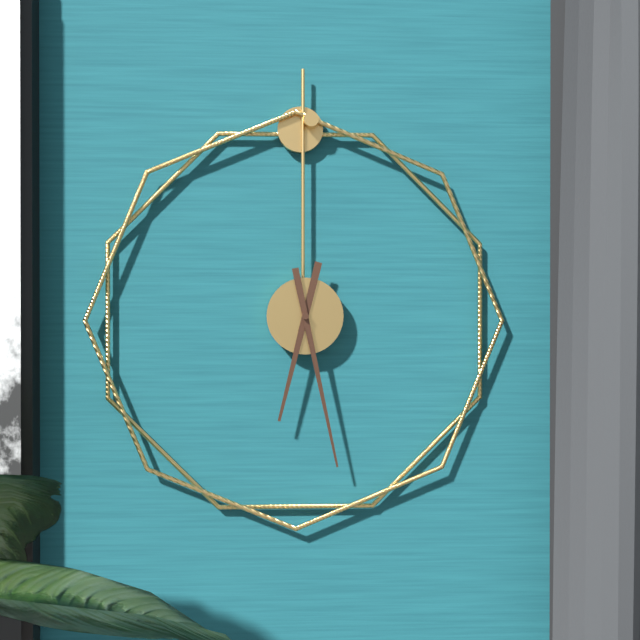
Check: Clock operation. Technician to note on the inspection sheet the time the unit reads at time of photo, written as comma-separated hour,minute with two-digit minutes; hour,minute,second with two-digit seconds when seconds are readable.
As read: 6,28
